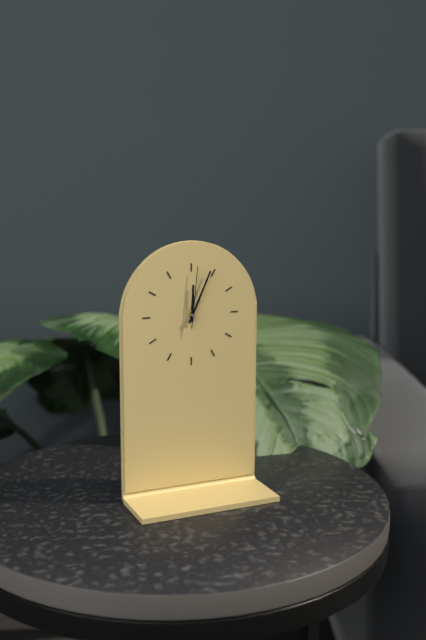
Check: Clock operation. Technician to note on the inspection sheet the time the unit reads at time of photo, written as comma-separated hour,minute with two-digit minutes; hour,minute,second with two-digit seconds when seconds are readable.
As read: 12,04,01
